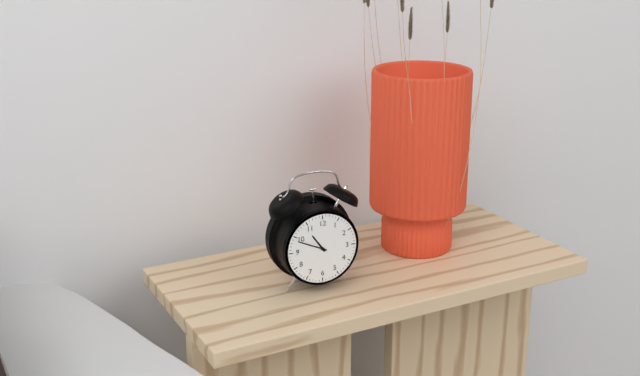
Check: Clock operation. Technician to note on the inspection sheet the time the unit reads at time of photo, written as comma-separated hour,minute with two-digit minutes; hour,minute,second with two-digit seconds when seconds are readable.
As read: 10,49
